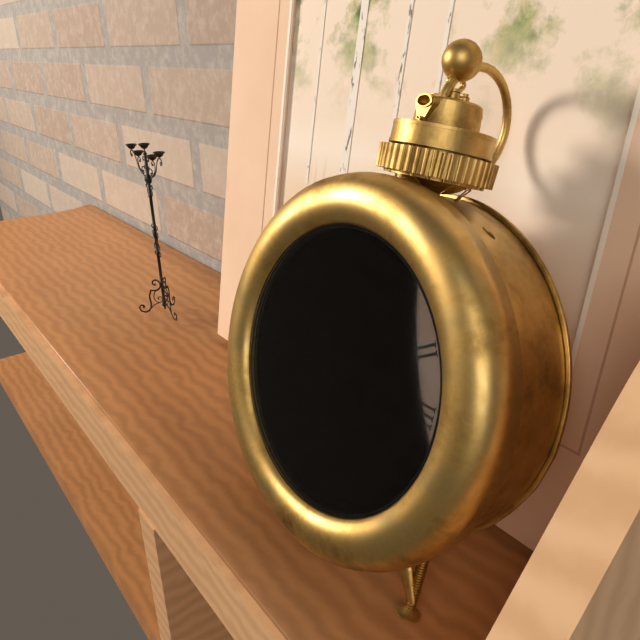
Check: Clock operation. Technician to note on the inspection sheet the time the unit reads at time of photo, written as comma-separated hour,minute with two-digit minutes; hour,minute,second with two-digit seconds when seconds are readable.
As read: 1,32,38
